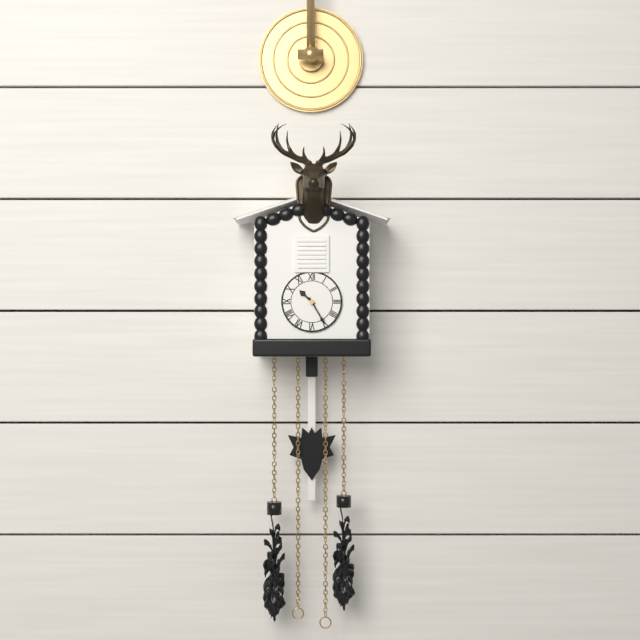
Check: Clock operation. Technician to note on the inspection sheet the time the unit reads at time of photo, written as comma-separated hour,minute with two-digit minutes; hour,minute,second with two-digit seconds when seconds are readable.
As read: 10,25
